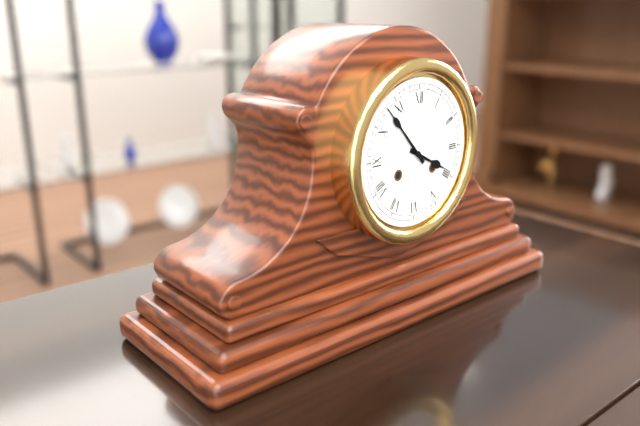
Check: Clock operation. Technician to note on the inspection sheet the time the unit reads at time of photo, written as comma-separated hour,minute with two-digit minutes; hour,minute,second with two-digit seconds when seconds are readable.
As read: 3,53
